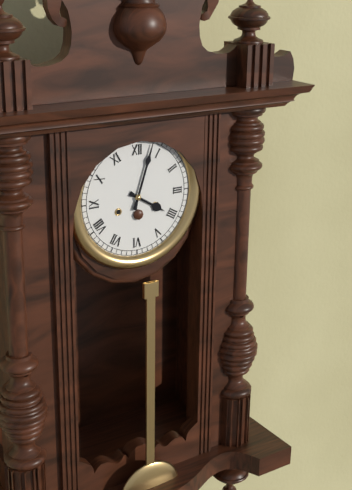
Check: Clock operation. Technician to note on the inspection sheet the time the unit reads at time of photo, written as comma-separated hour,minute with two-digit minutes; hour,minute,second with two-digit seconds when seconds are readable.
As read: 4,03
